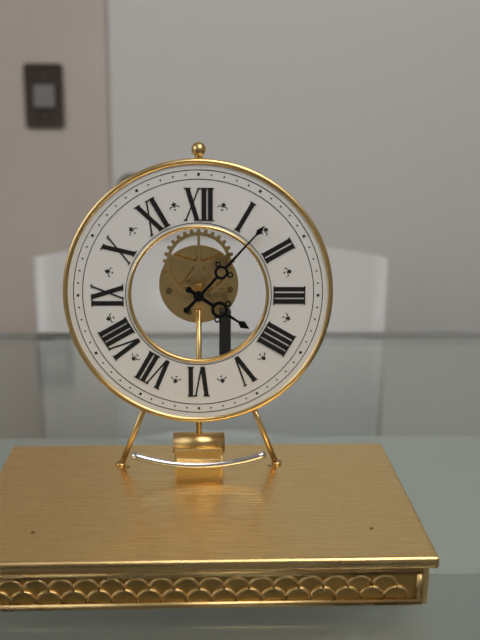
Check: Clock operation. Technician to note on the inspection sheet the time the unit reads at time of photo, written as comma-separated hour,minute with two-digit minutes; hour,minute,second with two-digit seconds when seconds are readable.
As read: 4,07
